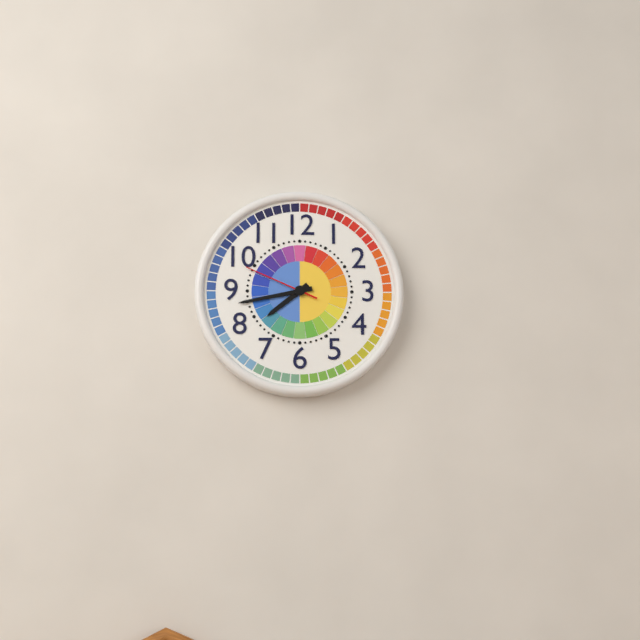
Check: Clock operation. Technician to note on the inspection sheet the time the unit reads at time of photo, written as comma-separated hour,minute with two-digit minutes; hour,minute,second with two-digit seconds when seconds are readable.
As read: 7,43,49
